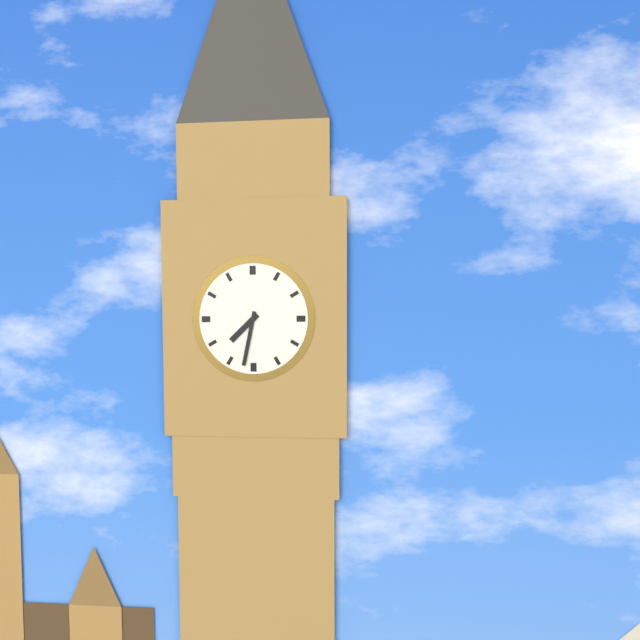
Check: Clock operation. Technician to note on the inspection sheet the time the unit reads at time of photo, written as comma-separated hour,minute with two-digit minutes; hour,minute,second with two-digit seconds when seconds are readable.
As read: 7,32
